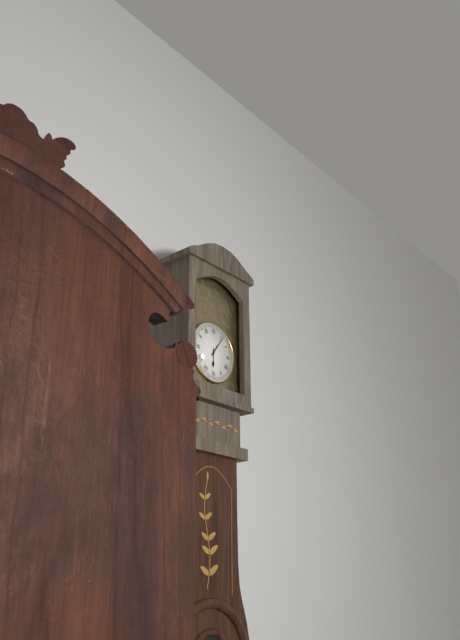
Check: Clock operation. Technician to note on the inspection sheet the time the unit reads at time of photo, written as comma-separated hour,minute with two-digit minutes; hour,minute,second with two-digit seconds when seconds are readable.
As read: 6,06
